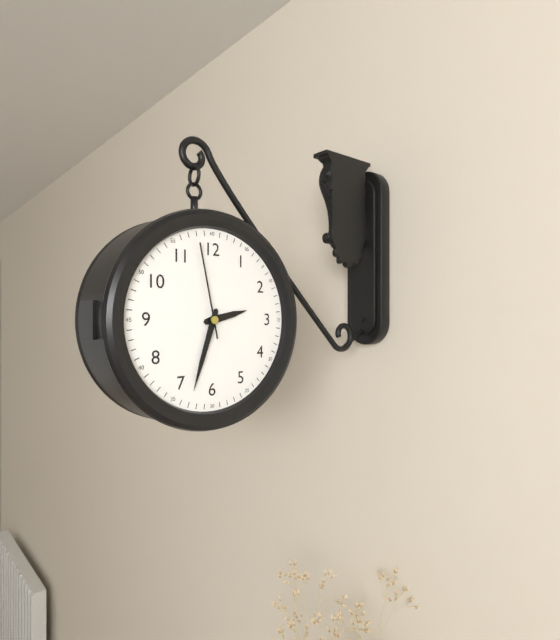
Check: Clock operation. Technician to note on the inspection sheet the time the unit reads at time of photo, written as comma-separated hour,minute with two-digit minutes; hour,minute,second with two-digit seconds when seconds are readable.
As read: 2,33,58
